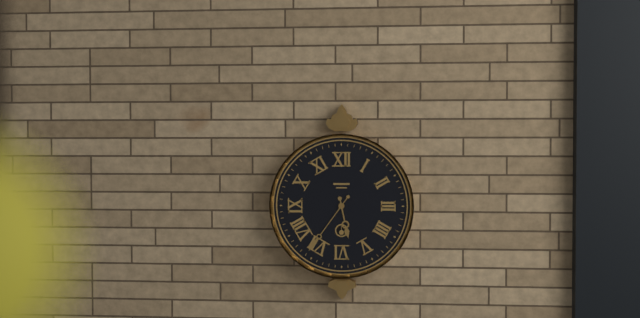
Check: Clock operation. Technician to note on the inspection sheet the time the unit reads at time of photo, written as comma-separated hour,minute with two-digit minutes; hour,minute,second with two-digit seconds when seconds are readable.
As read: 5,36
